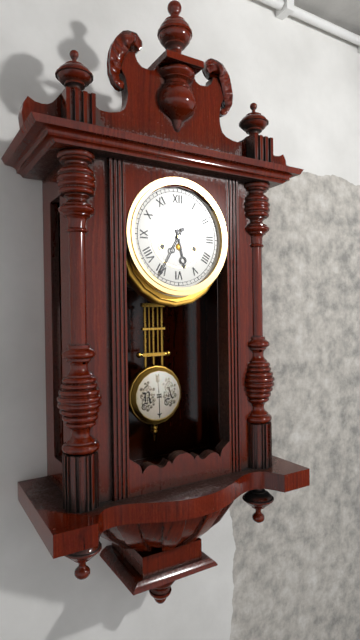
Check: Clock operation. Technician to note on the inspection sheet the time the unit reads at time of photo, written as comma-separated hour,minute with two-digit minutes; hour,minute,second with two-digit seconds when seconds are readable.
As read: 5,35
